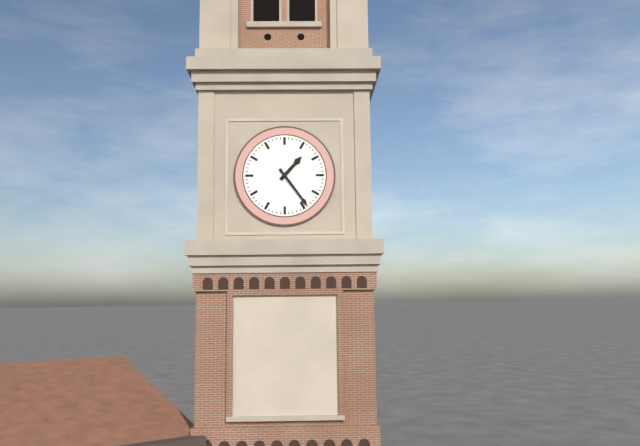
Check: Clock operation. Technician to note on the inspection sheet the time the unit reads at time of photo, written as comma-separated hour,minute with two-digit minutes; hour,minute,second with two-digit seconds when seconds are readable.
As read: 1,24
